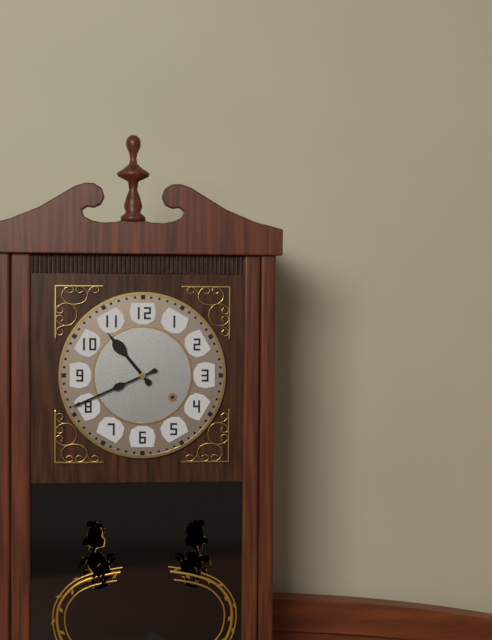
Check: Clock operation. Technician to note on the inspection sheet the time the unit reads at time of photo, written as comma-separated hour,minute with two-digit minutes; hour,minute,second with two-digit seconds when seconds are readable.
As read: 10,41
